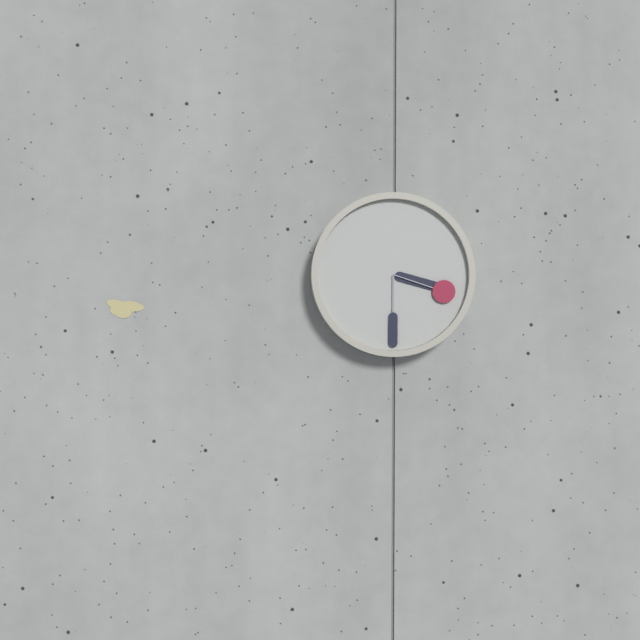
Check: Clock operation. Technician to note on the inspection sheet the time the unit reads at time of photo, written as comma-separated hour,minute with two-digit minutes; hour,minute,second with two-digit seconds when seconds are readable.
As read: 3,30,18
